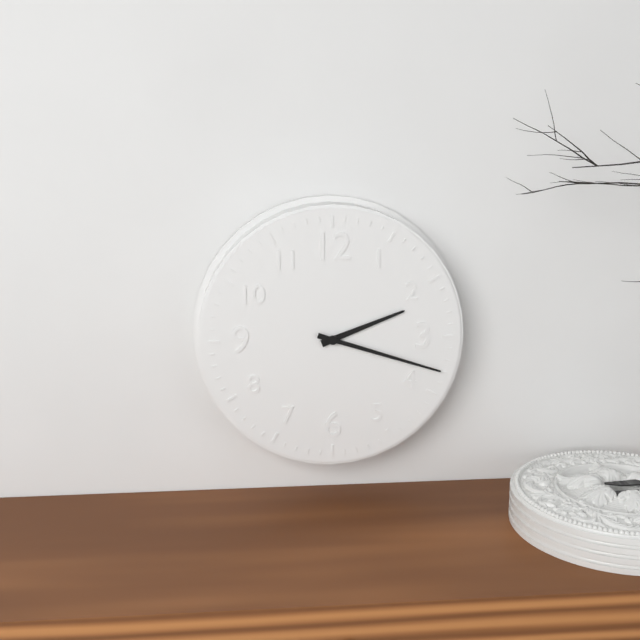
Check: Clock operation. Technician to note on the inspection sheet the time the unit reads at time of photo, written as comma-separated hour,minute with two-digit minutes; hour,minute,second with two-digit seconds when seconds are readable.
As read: 2,18
